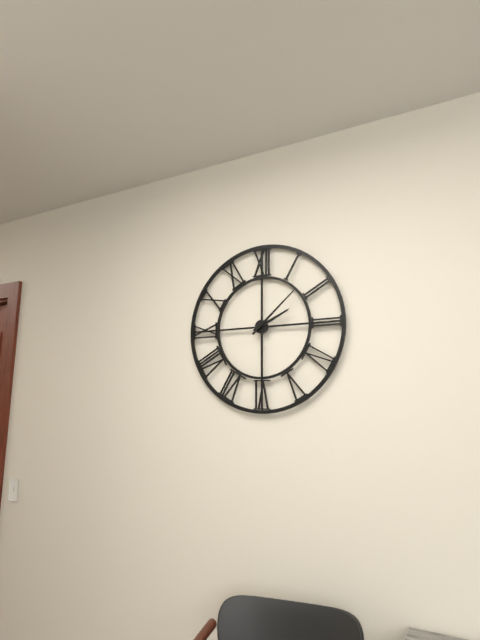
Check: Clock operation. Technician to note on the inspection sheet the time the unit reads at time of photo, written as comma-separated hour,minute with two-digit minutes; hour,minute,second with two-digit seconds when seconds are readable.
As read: 2,08
